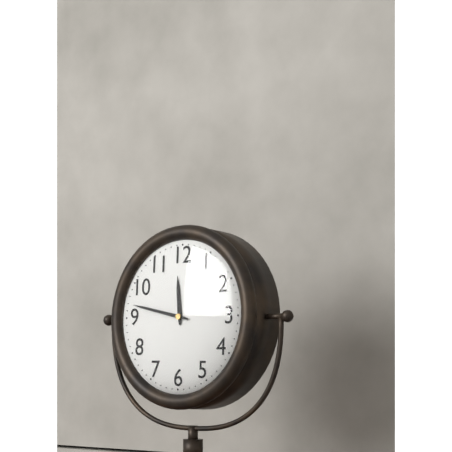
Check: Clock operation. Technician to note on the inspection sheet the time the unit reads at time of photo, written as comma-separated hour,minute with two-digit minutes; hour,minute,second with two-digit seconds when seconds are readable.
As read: 11,47
